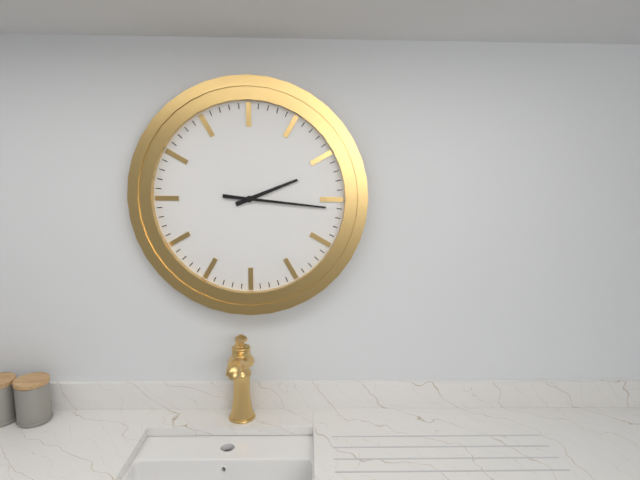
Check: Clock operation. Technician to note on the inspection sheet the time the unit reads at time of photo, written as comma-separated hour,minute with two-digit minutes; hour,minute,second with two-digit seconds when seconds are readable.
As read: 2,16
